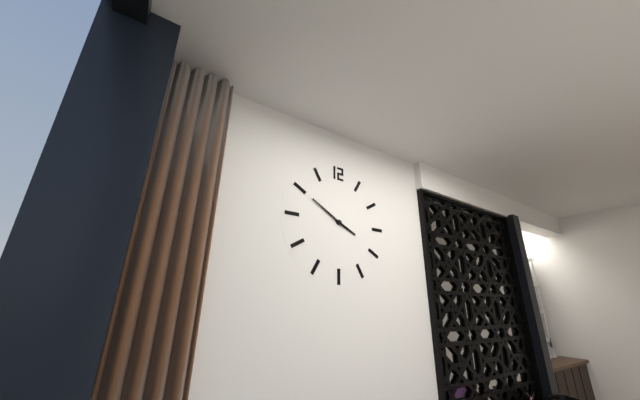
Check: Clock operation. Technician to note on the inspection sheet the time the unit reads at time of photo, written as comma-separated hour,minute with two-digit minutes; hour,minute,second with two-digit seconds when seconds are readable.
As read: 3,50
